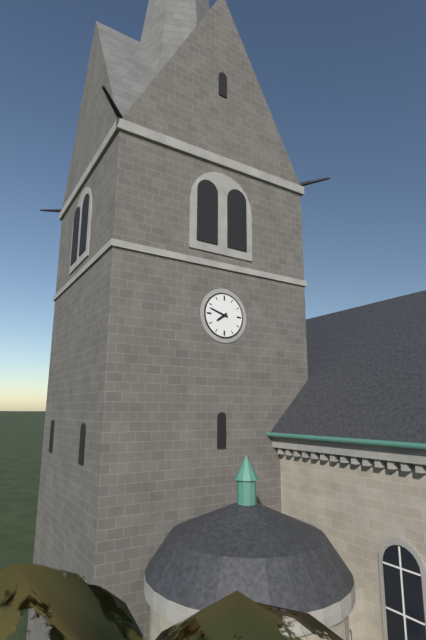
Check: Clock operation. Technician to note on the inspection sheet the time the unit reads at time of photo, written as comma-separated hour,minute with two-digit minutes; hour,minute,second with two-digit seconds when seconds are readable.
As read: 7,48
